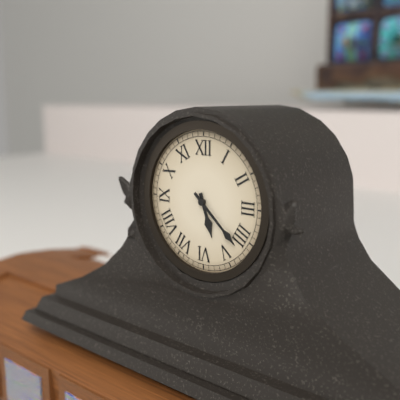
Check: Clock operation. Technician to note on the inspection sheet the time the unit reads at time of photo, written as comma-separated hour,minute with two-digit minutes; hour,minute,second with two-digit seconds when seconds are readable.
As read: 5,22
